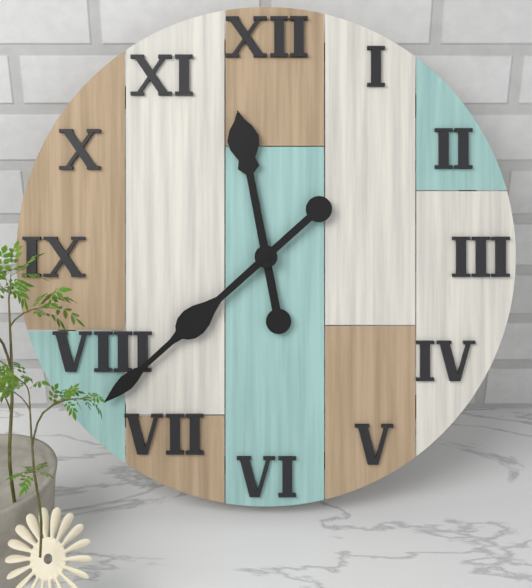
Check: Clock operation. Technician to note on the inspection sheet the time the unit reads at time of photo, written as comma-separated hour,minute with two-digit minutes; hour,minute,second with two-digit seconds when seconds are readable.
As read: 11,38
